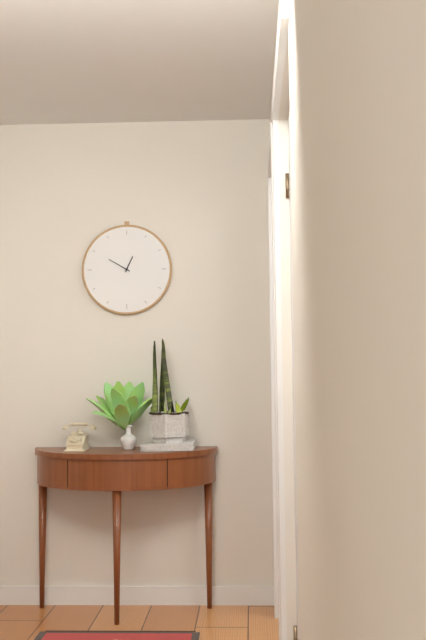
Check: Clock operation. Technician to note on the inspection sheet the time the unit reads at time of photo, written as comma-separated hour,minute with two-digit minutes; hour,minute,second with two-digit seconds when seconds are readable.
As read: 12,50
